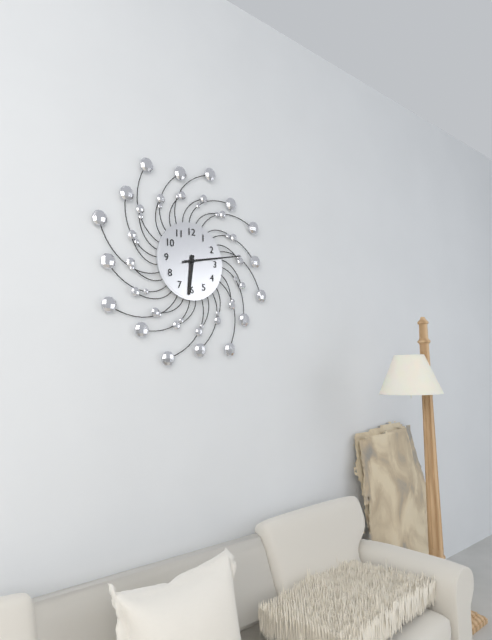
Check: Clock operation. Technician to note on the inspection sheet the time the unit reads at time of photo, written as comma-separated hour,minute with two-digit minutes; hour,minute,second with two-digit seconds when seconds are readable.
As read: 6,13
